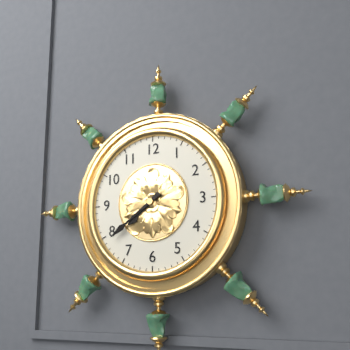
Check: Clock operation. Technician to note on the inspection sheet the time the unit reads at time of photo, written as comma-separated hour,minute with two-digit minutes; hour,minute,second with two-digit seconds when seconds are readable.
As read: 7,39
